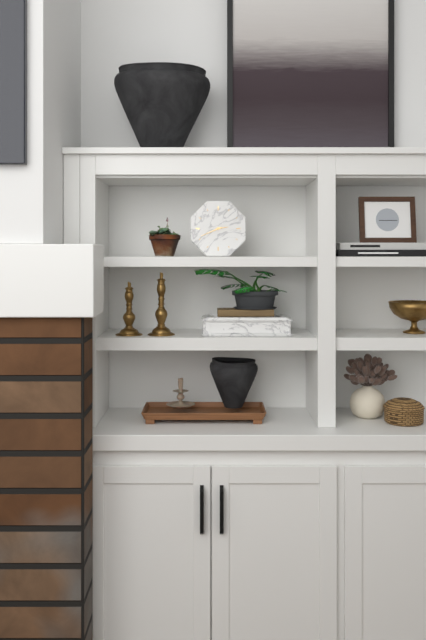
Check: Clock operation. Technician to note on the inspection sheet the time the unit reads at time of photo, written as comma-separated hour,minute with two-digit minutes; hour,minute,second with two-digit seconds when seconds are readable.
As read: 2,41
